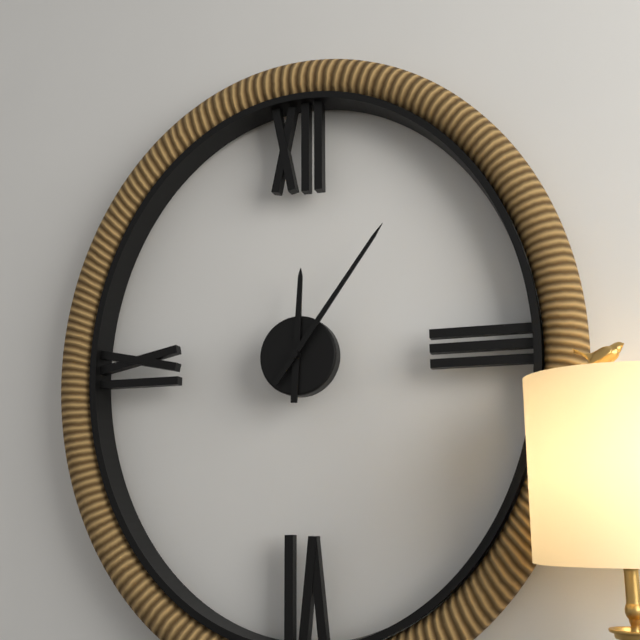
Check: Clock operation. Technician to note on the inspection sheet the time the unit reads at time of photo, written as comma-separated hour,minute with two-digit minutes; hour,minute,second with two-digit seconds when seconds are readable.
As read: 12,06
